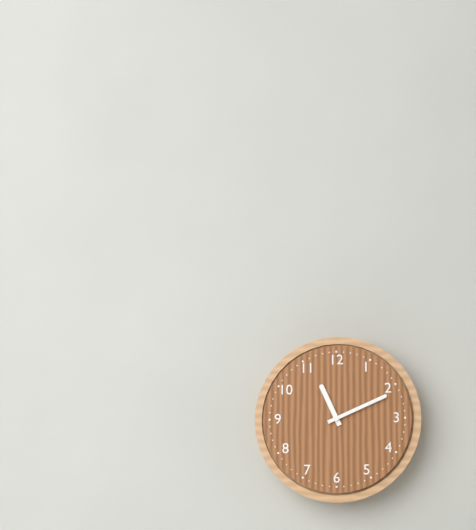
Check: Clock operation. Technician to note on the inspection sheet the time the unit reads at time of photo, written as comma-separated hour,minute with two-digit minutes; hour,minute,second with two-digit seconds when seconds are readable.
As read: 11,11
